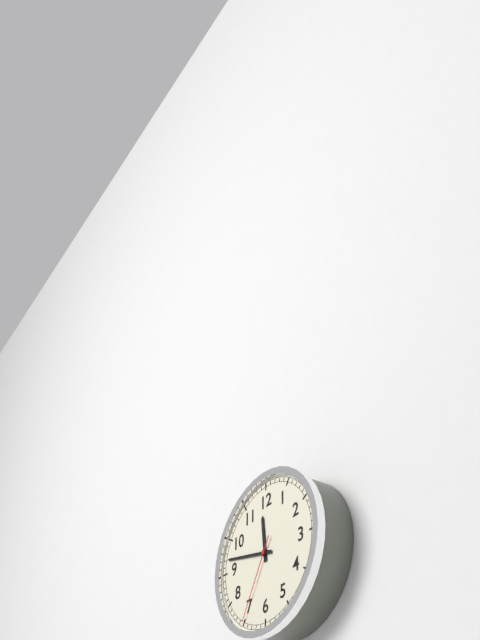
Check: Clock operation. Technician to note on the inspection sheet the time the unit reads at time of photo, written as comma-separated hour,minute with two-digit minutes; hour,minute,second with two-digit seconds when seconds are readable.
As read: 11,47,35
